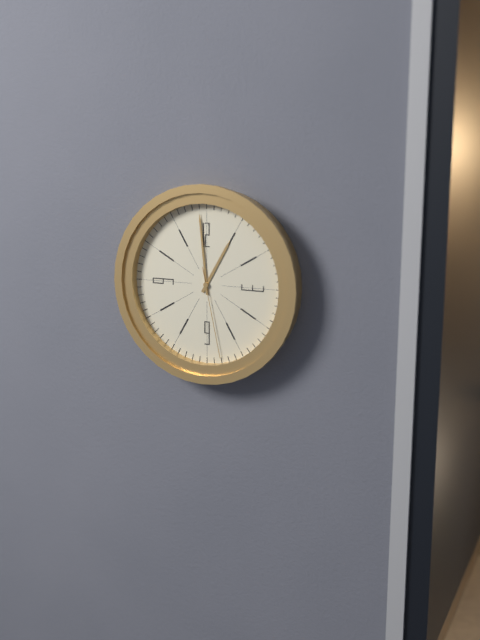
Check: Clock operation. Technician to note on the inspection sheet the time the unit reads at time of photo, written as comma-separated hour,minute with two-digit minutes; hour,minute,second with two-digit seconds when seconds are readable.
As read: 12,59,28
